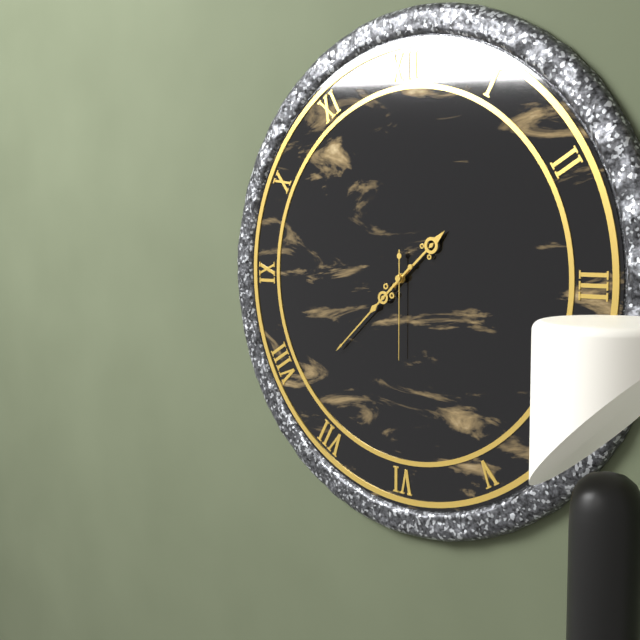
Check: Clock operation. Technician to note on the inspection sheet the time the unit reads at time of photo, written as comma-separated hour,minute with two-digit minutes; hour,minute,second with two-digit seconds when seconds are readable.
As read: 1,38,30
